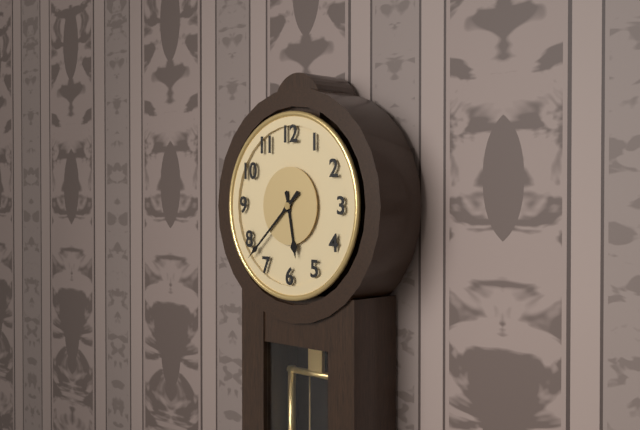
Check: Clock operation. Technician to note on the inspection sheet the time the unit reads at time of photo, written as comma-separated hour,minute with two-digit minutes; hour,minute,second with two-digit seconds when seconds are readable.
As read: 5,38
